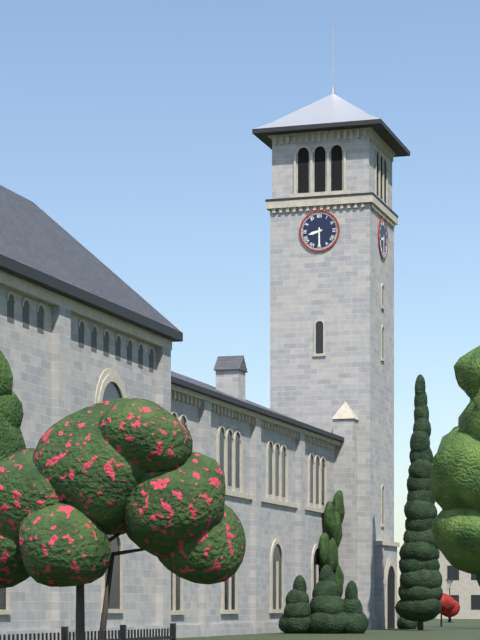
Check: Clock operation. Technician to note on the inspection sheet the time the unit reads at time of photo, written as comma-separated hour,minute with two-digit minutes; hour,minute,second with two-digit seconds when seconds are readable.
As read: 8,30
